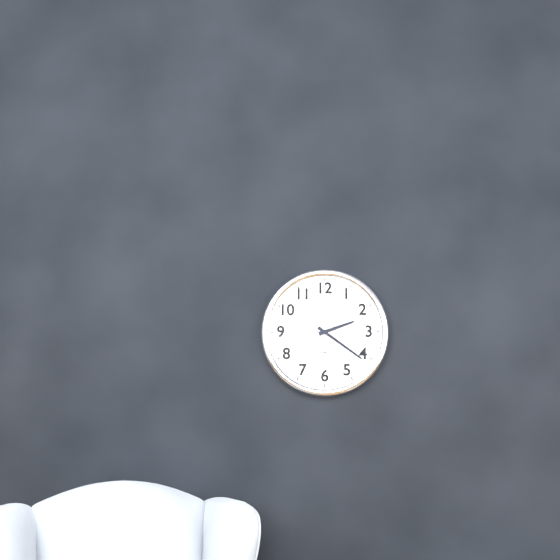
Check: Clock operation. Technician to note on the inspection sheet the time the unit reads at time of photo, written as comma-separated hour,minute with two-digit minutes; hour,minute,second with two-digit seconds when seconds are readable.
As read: 2,21
